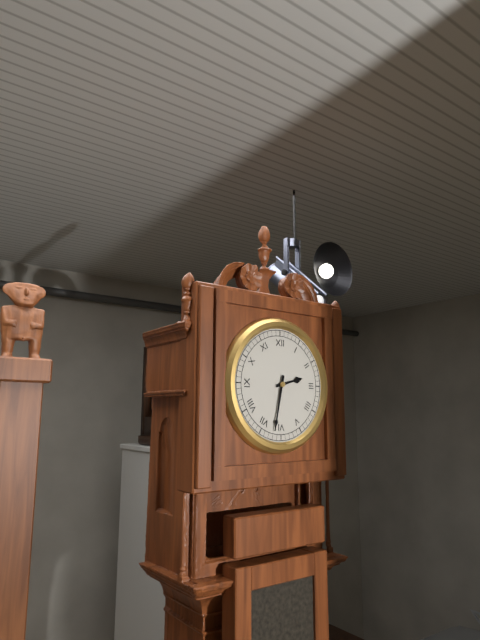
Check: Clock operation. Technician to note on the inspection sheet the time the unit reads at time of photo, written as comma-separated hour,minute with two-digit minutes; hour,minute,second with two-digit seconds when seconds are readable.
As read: 2,32
